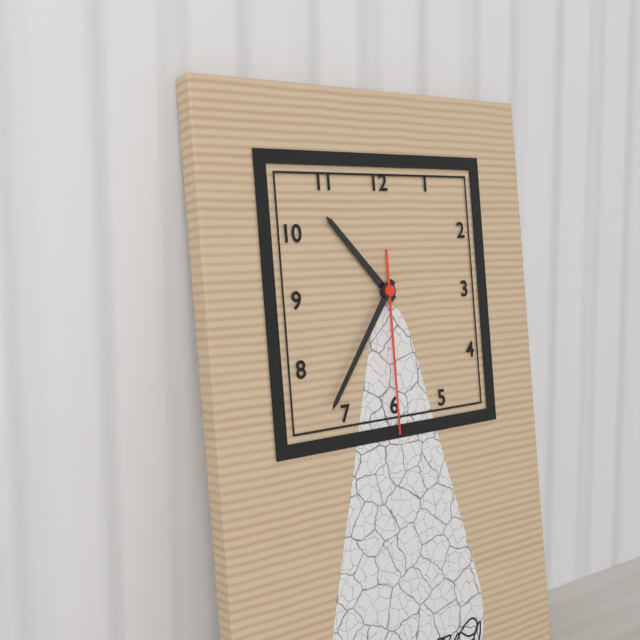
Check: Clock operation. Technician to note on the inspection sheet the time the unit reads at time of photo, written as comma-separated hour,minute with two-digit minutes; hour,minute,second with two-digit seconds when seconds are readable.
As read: 10,36,30
